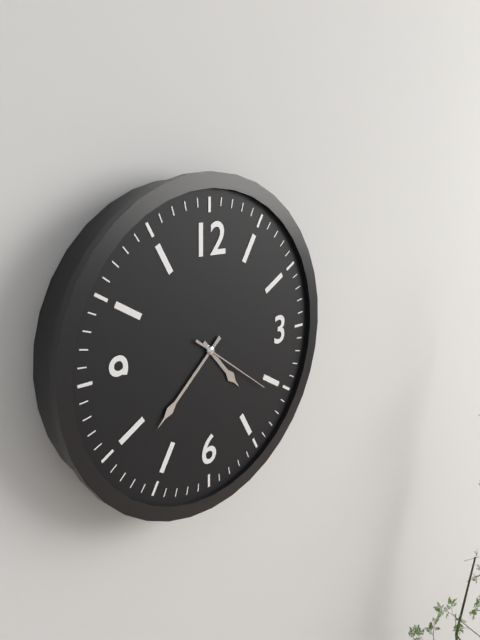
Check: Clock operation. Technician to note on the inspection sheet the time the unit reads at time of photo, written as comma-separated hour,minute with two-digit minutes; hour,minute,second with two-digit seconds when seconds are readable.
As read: 4,38,21
